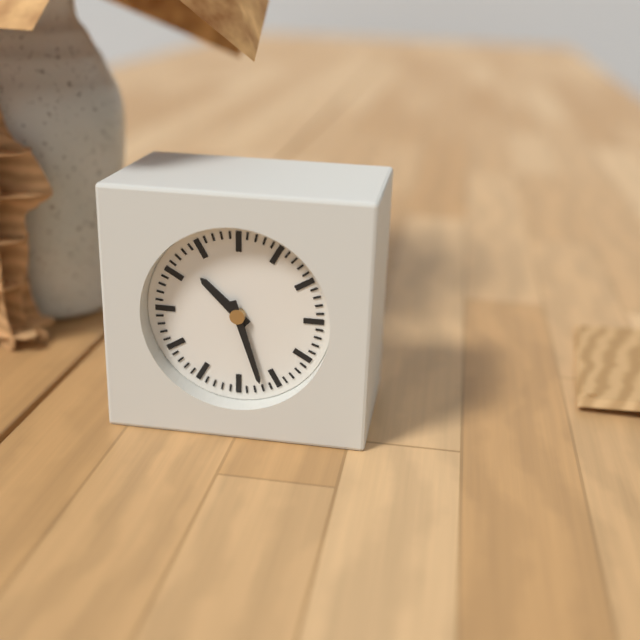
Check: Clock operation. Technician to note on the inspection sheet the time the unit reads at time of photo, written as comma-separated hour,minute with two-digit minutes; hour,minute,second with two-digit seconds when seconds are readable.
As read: 10,27
